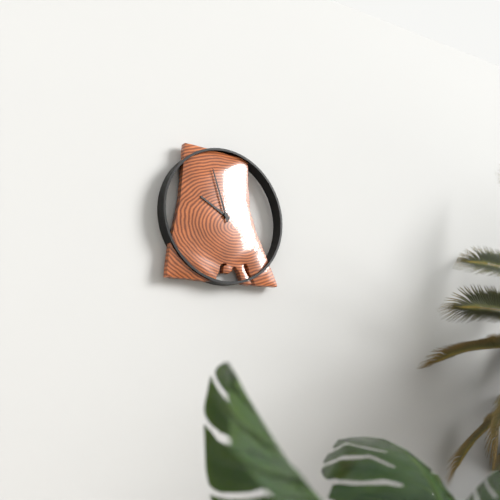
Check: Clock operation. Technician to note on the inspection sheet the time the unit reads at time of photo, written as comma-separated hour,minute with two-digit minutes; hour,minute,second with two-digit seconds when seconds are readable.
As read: 9,57
